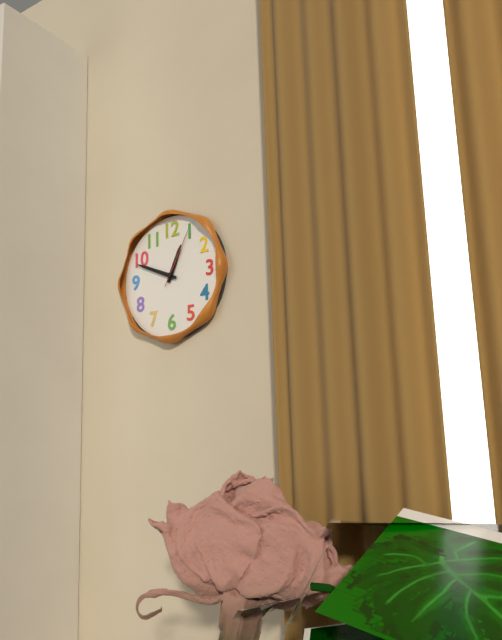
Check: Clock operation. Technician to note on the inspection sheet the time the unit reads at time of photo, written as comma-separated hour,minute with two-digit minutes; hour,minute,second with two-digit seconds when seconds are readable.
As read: 12,49,05
